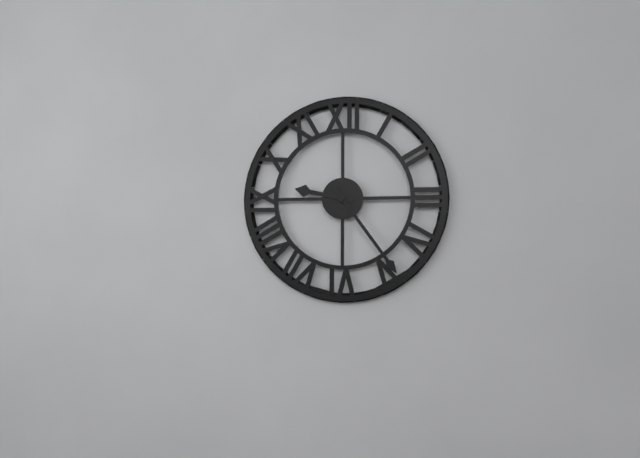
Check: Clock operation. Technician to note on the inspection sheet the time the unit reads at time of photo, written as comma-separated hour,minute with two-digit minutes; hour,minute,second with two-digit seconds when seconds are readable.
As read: 9,24
